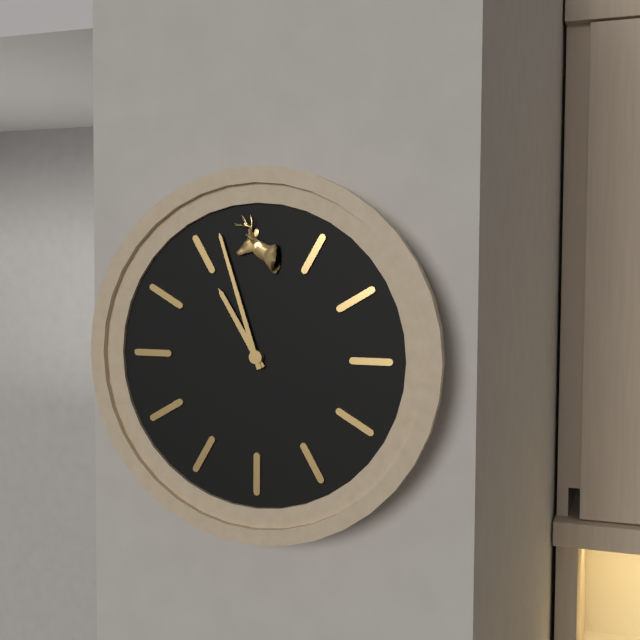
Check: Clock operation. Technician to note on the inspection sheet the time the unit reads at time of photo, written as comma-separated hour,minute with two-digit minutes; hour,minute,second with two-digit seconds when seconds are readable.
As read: 10,57
